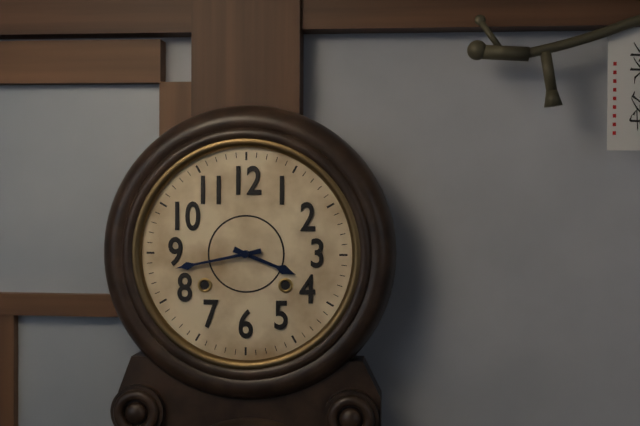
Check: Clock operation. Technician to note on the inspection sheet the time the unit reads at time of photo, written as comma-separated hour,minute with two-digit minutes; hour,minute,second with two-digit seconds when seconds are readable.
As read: 3,43
